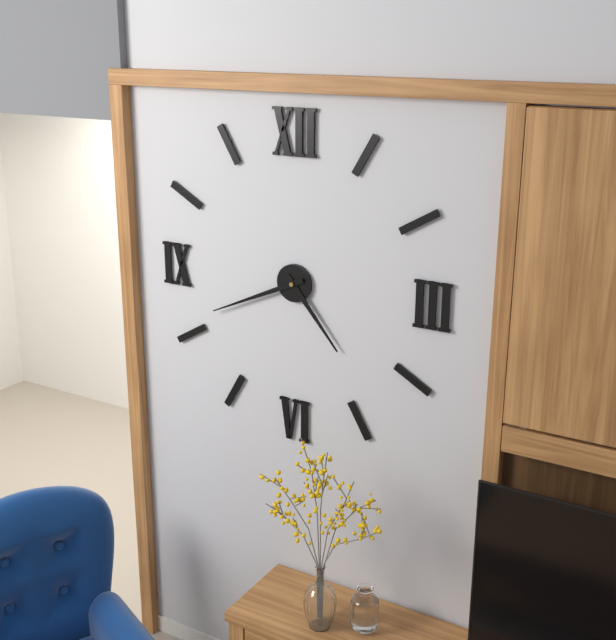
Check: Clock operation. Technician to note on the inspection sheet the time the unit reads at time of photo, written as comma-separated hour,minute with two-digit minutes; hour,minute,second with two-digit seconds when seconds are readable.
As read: 4,41
